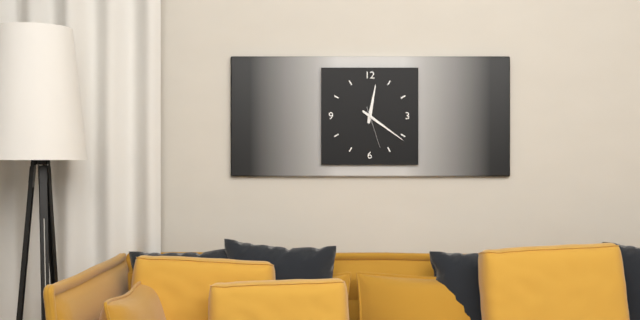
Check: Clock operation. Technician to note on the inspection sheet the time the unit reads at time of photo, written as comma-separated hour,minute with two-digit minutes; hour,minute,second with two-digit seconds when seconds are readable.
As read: 12,21
